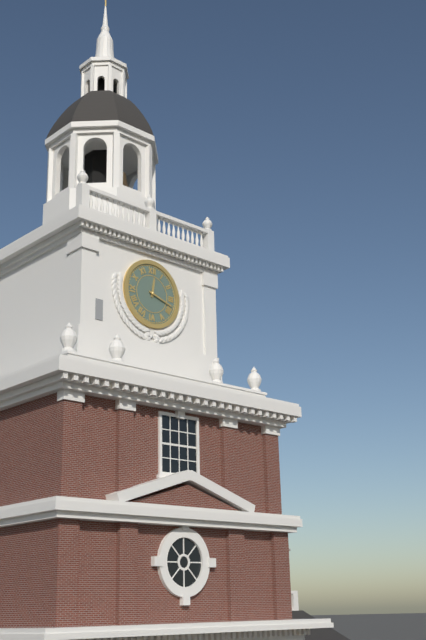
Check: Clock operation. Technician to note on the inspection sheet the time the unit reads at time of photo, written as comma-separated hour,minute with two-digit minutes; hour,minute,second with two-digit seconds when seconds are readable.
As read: 12,18
